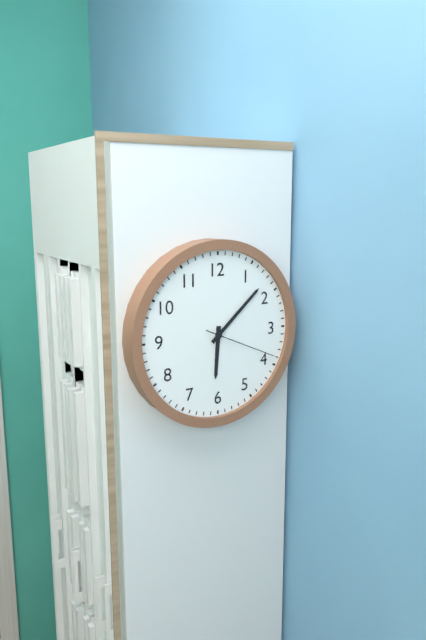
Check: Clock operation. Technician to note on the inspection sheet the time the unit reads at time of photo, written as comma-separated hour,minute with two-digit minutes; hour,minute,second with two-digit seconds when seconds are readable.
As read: 6,08,19
